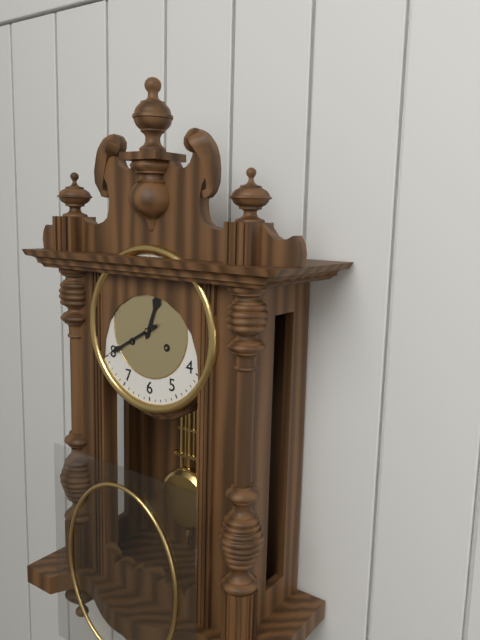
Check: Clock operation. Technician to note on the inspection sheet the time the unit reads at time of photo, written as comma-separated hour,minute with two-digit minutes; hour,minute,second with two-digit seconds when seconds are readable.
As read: 12,40
